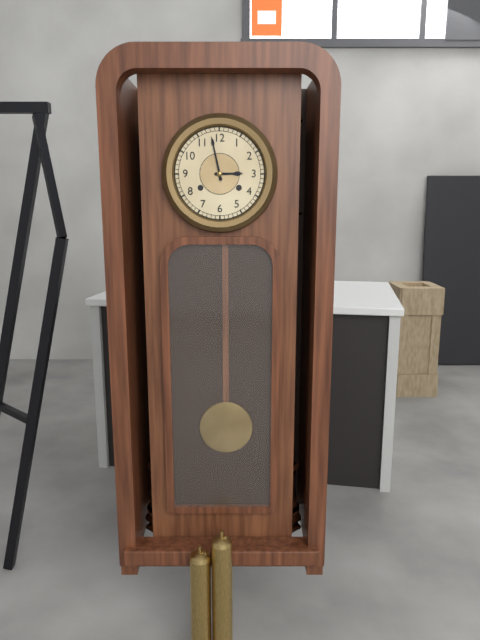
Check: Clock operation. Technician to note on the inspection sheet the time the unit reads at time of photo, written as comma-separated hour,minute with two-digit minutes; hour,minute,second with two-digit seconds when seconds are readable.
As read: 2,58
